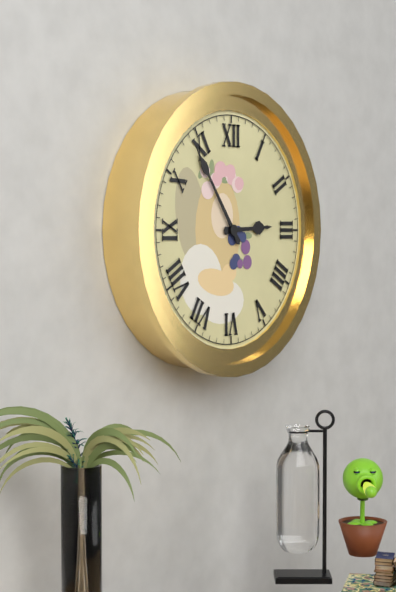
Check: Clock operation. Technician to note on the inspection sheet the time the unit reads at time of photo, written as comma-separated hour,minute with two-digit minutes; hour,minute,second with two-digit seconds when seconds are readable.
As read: 2,54
